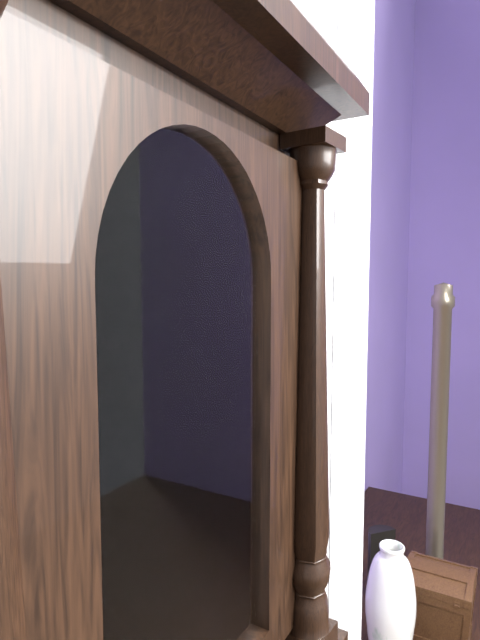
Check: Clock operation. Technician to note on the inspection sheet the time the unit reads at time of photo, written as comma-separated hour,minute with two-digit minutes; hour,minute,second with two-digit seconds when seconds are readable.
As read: 6,57
